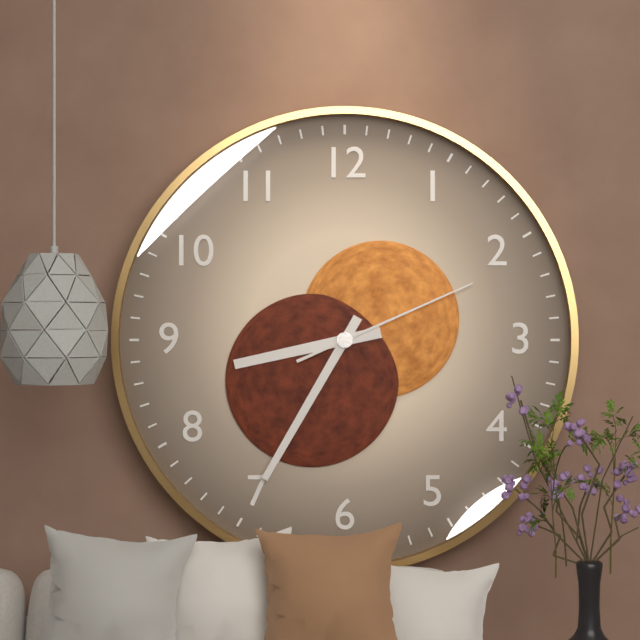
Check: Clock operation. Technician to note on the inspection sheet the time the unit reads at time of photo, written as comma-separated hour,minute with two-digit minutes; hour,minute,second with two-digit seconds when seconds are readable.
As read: 8,35,11
